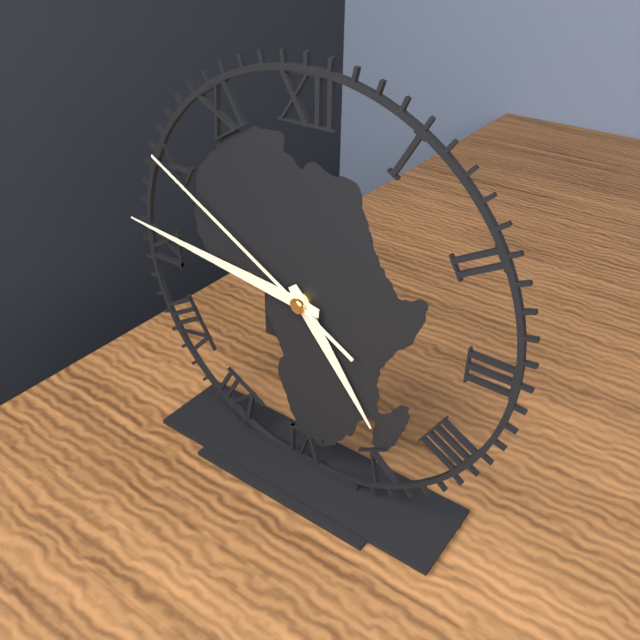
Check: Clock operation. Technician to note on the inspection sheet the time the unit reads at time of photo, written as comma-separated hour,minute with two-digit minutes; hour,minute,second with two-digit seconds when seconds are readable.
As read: 4,46,50
